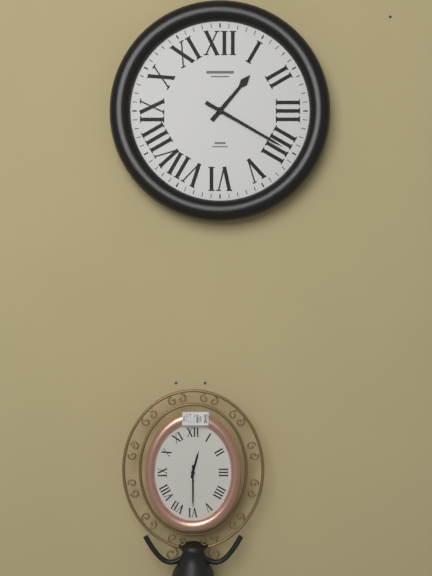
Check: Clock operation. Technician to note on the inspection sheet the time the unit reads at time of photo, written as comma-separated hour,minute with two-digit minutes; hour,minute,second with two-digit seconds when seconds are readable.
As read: 1,20
